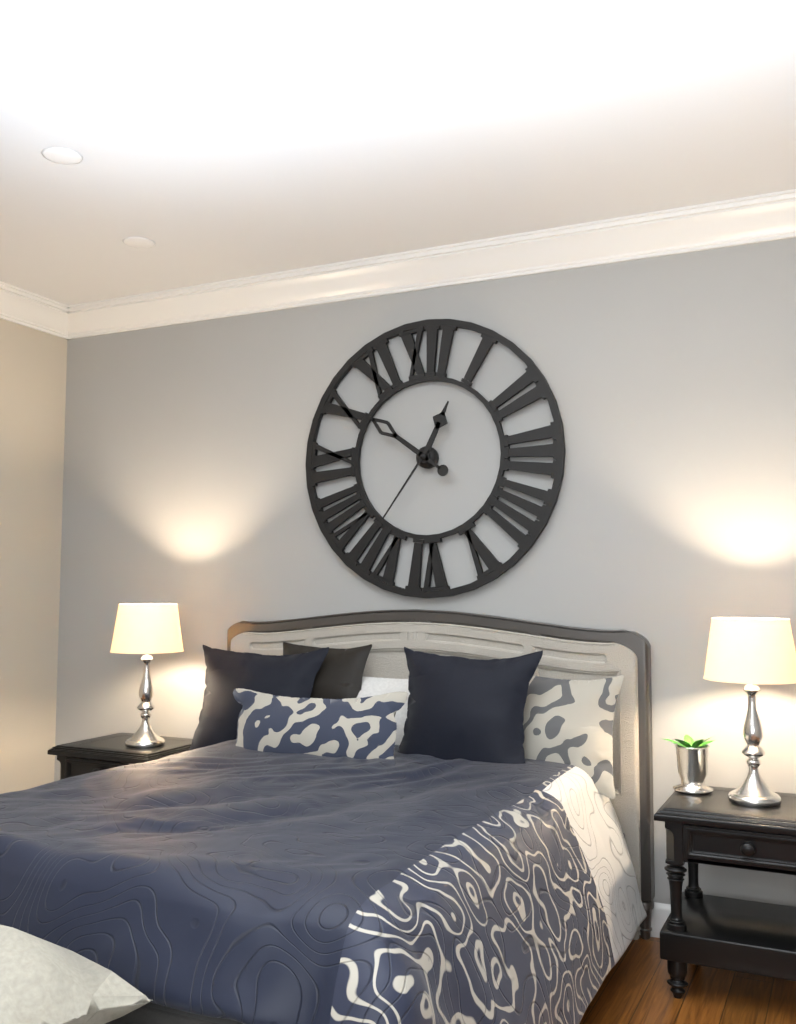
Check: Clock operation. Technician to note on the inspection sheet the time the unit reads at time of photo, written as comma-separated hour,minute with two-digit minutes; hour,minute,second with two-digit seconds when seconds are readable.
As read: 12,51,36
